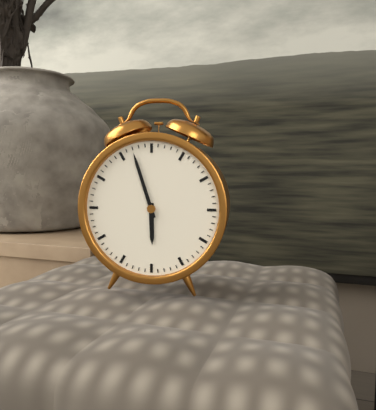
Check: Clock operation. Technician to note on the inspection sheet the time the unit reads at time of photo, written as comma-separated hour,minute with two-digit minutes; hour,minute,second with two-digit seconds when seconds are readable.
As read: 5,57
